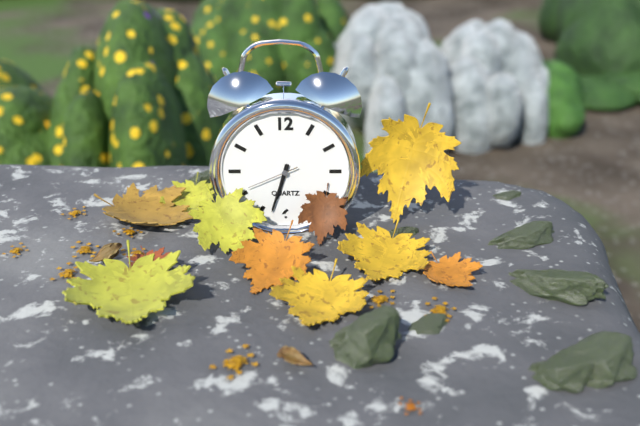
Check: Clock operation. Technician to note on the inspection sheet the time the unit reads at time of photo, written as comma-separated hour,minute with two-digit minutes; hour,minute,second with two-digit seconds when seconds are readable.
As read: 6,33,41
